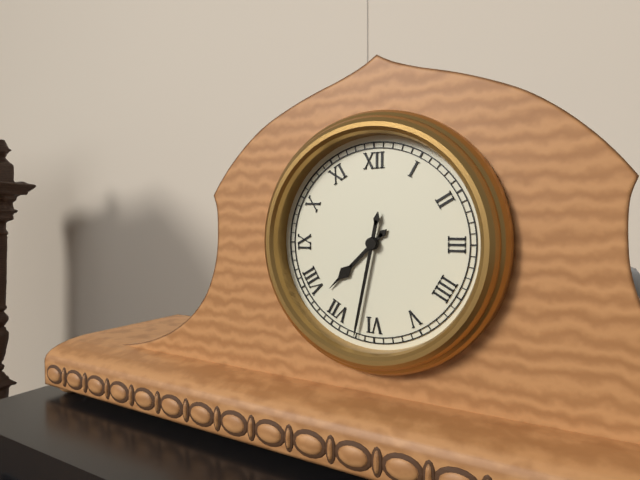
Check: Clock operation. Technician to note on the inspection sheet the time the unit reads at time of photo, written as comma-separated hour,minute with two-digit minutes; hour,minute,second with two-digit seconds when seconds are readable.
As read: 7,32
